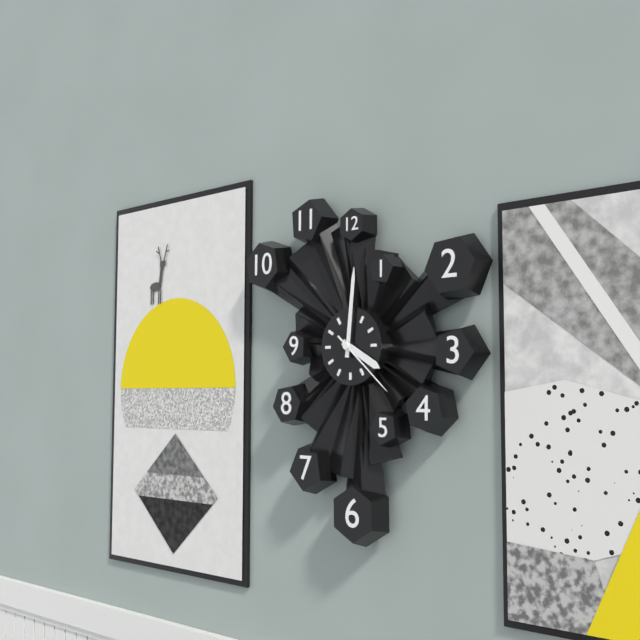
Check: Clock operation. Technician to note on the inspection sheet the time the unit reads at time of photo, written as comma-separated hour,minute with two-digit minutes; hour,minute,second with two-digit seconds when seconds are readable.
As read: 4,01,22
